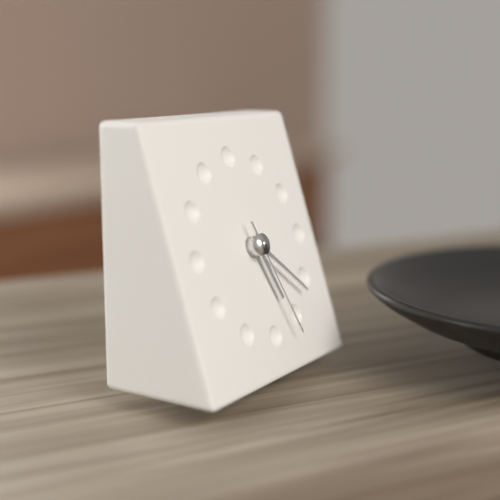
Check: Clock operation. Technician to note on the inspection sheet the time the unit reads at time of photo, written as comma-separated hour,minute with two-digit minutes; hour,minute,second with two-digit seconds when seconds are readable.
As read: 5,22,27
